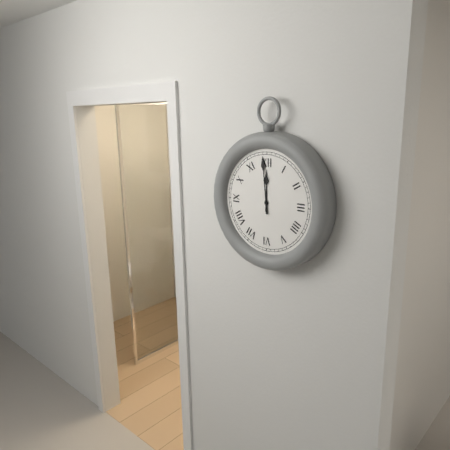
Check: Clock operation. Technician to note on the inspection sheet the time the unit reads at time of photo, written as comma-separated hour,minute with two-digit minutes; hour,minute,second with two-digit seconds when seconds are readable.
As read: 11,59
